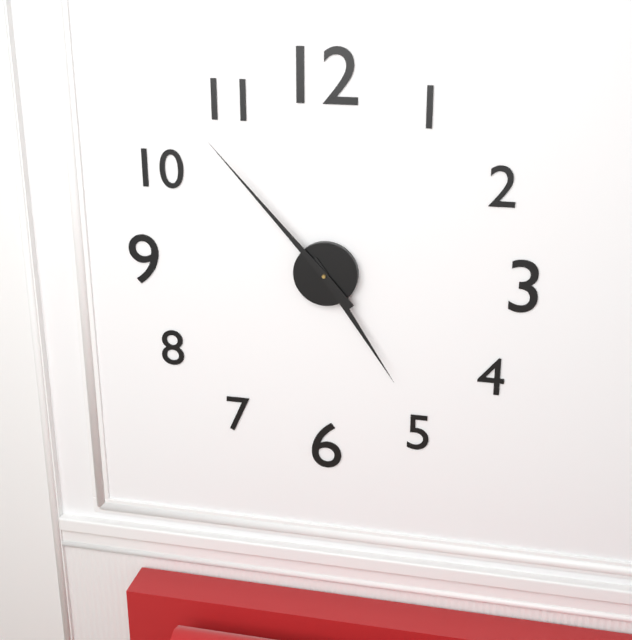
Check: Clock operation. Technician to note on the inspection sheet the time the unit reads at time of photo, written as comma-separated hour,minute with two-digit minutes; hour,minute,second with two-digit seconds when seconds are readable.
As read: 4,53
